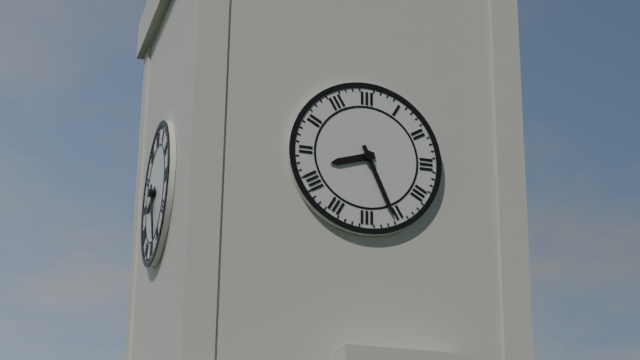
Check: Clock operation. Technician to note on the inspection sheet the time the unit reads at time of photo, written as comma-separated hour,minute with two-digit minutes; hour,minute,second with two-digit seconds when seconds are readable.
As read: 8,26
